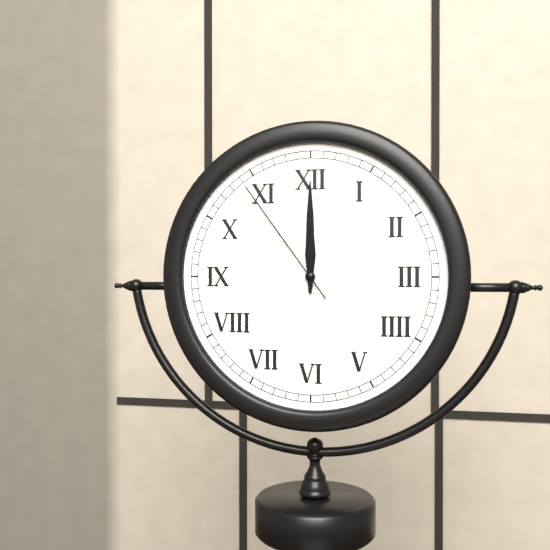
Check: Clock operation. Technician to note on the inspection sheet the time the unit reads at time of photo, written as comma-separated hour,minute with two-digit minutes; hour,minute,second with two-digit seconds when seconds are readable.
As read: 12,00,54
